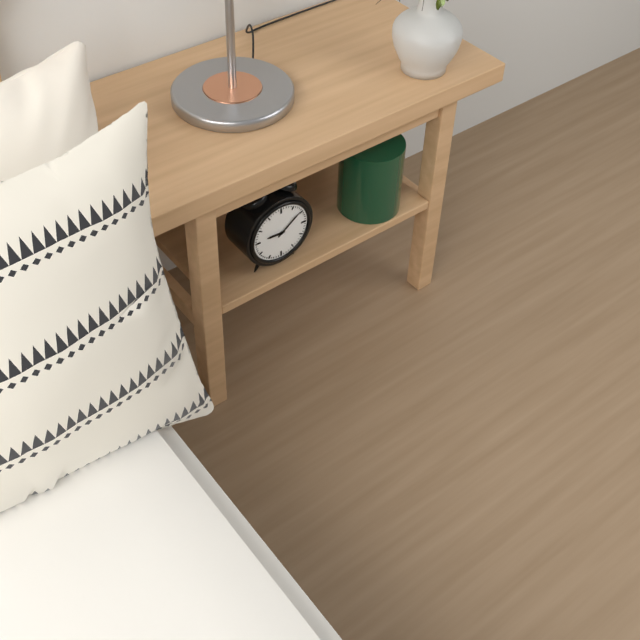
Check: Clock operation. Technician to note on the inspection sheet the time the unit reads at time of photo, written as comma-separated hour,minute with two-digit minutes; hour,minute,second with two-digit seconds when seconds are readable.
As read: 9,09
